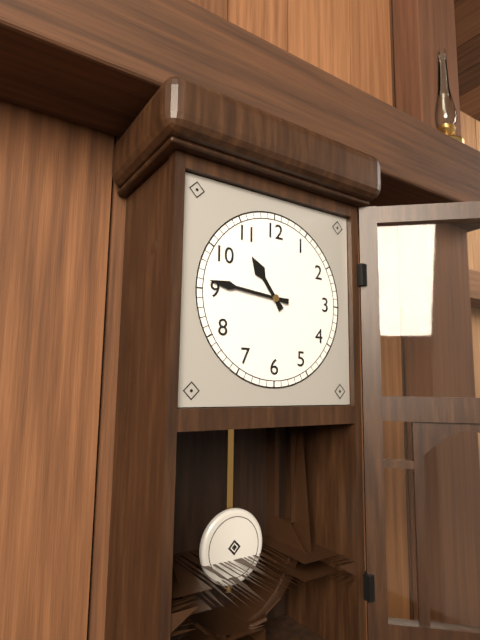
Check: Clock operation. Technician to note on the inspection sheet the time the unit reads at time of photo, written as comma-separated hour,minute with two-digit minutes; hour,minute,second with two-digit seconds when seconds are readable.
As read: 10,46
